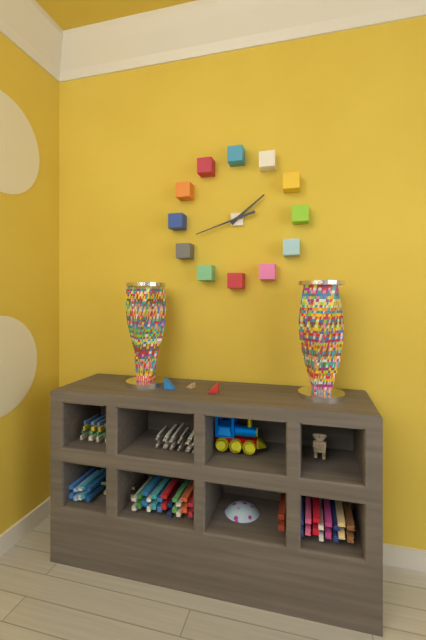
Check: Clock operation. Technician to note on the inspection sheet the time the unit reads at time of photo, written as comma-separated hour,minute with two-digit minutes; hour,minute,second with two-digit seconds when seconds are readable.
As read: 1,42
